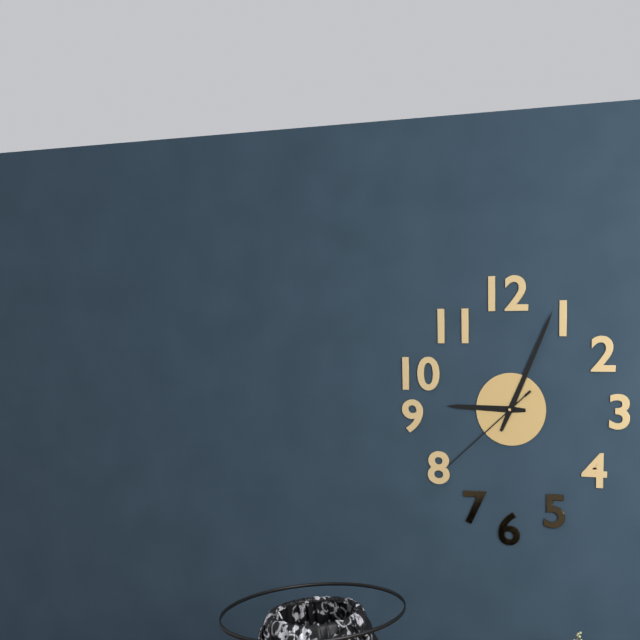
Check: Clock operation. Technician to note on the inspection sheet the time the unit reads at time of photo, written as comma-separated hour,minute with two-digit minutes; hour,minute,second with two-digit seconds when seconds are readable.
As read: 9,04,38
